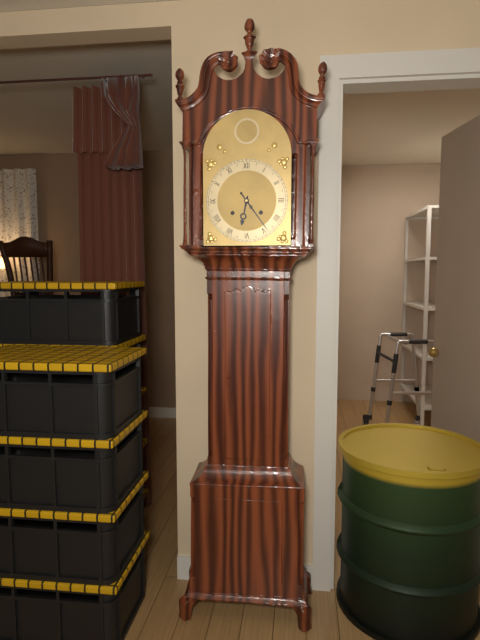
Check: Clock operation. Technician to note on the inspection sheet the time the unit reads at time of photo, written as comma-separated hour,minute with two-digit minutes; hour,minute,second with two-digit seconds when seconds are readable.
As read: 6,24
